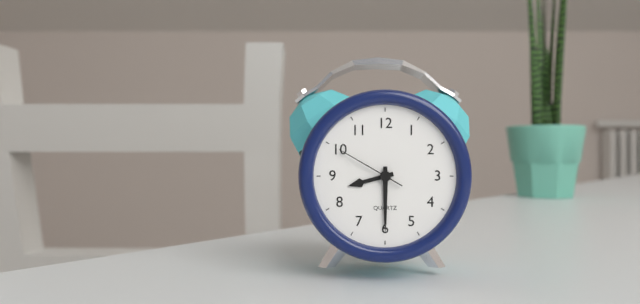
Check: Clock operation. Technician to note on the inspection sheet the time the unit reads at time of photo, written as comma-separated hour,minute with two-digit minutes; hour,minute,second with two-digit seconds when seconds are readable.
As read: 8,30,50
